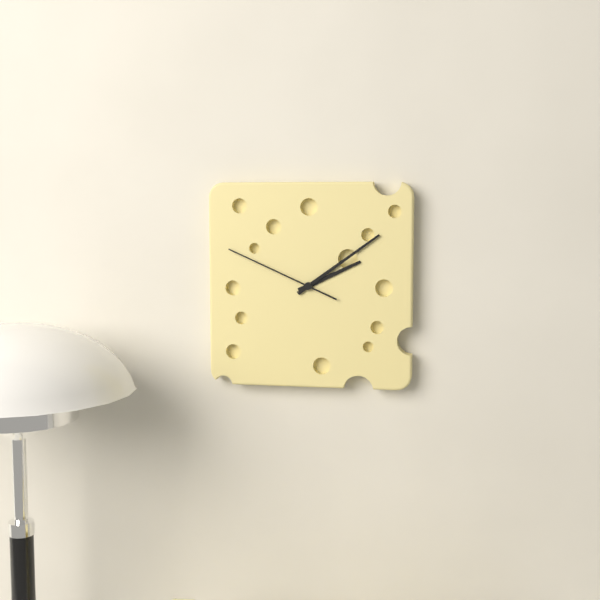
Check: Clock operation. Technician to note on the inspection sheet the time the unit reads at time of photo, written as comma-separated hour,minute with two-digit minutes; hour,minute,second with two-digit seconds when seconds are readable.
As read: 2,09,49
